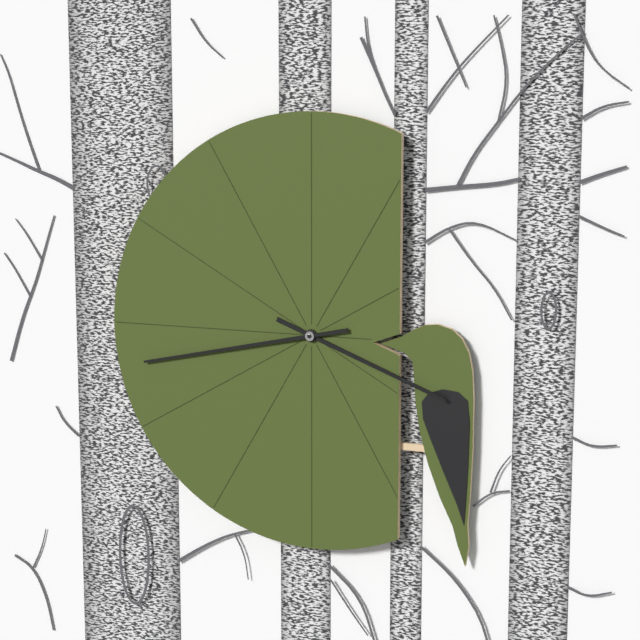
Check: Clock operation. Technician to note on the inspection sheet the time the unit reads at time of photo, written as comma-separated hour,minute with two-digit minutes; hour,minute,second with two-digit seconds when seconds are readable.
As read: 3,43
